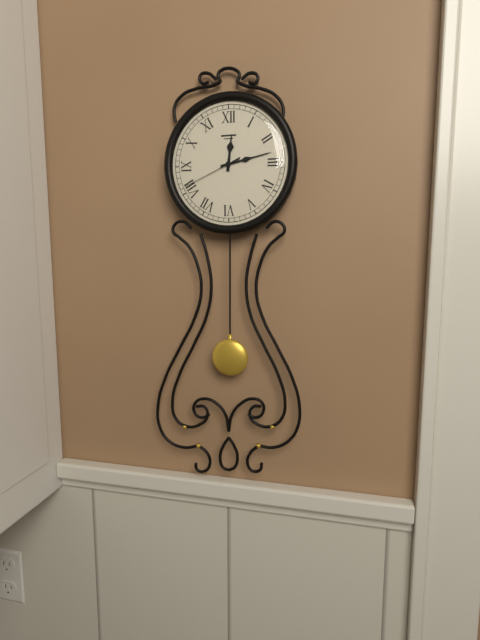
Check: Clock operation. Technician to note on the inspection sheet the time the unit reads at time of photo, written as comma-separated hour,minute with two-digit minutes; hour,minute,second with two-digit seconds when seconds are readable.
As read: 12,13,41
